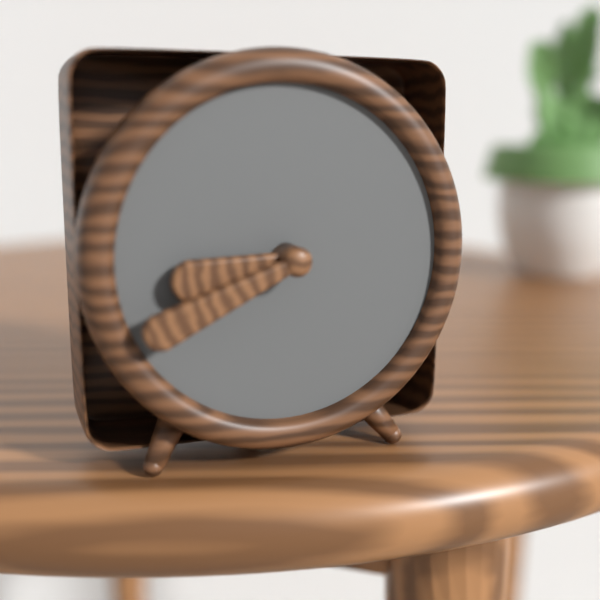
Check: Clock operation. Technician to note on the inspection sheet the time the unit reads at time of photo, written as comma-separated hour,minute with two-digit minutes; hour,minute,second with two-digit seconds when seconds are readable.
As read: 8,41
